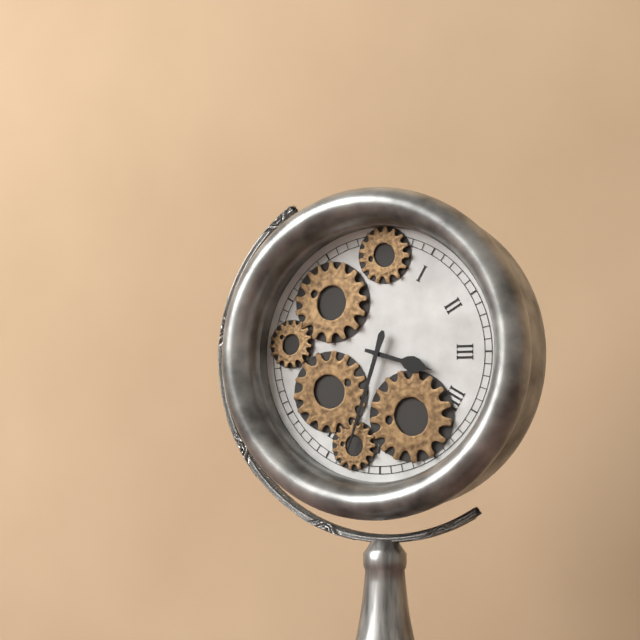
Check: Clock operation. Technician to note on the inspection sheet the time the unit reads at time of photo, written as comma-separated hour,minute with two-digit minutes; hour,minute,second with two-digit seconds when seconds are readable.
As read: 3,33
